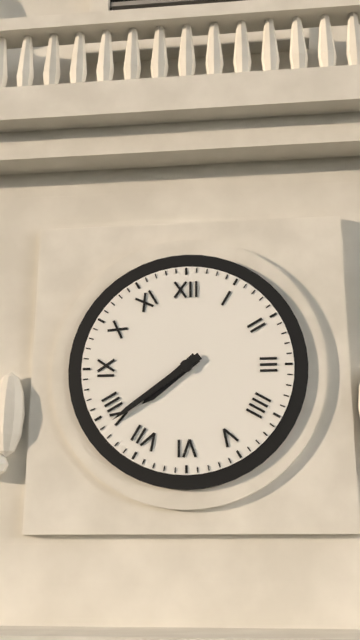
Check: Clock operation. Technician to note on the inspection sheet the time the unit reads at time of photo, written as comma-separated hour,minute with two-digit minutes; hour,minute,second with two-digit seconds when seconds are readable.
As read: 7,39
